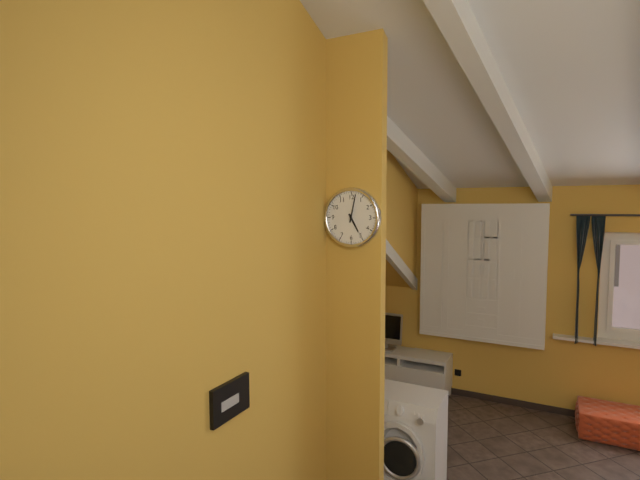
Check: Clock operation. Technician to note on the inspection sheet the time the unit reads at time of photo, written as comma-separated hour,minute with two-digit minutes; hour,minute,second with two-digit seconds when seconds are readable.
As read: 5,02
